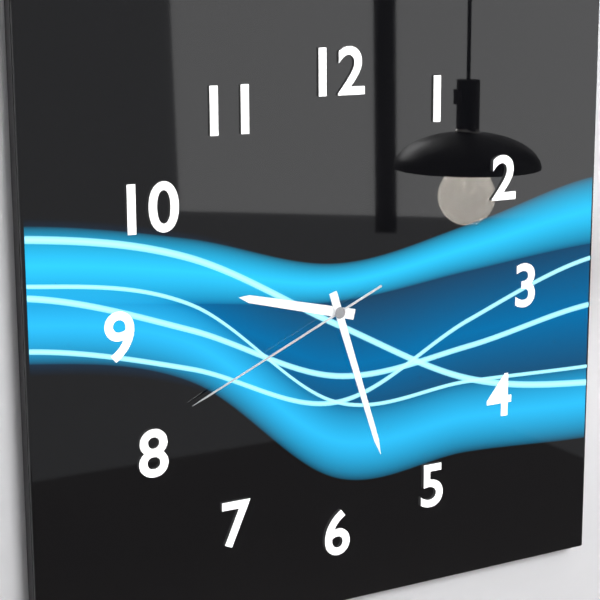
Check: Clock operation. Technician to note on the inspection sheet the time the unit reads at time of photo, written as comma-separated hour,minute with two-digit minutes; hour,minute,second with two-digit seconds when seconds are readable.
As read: 9,27,41
